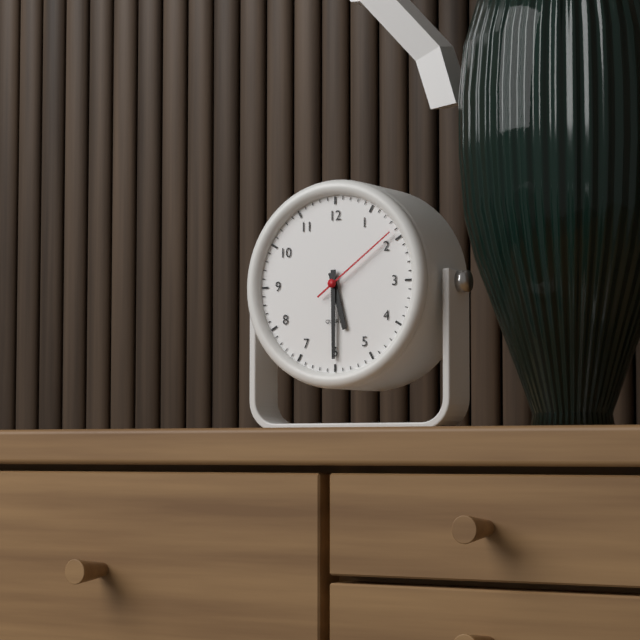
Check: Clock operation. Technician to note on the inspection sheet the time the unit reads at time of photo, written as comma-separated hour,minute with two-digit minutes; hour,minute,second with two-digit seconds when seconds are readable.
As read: 5,30,09
